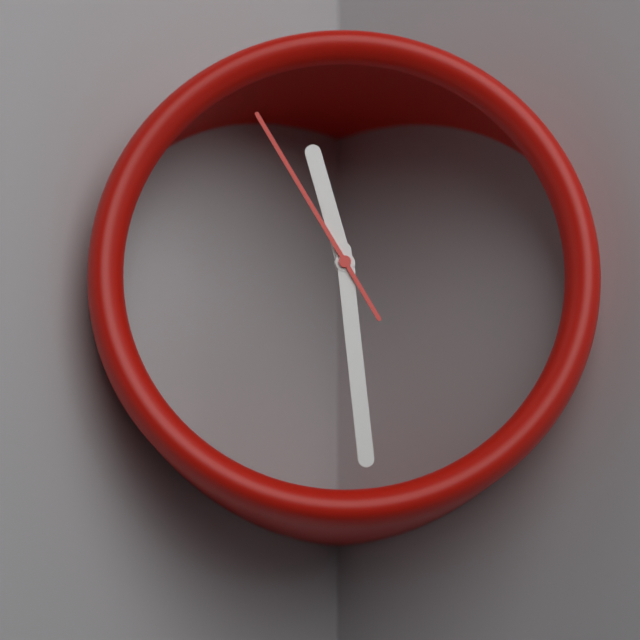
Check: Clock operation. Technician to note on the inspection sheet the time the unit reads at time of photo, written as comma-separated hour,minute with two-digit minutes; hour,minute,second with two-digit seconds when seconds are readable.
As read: 11,29,55
